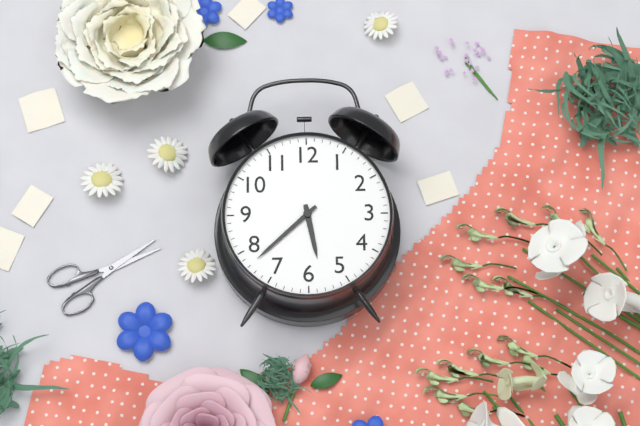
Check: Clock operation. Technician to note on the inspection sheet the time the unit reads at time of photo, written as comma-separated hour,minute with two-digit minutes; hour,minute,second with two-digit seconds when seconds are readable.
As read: 5,38
